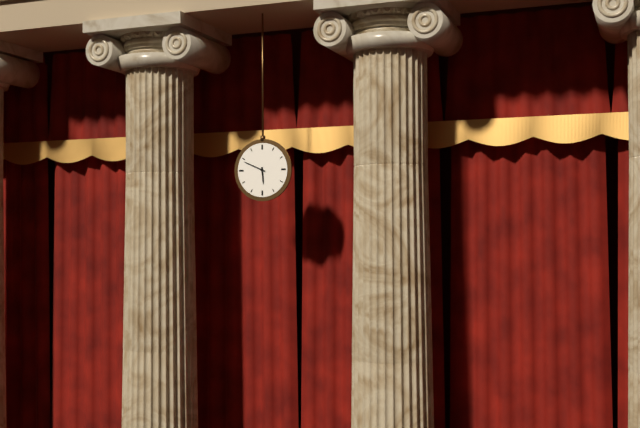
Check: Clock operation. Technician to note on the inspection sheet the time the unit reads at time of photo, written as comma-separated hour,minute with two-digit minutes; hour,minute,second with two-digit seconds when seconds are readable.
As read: 5,49
